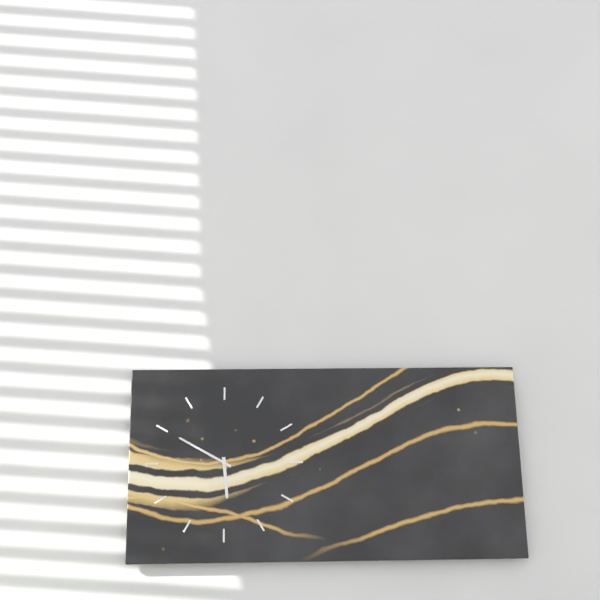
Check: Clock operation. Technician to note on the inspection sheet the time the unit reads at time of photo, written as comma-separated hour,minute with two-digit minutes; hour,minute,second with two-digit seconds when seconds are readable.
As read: 5,50
